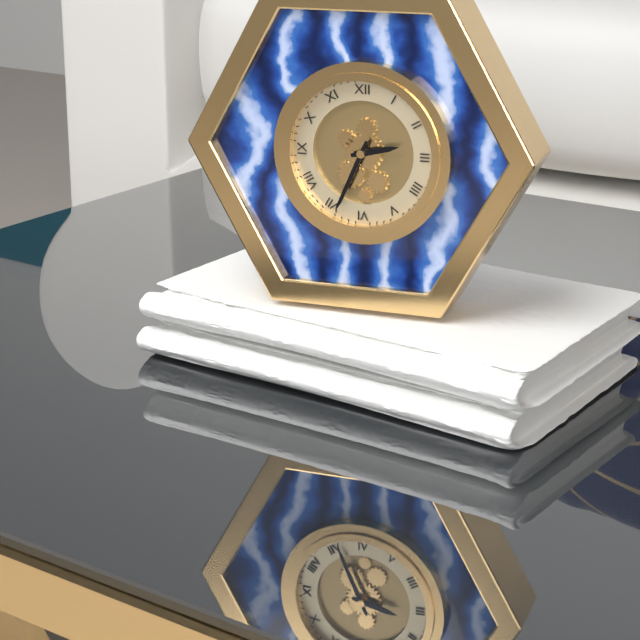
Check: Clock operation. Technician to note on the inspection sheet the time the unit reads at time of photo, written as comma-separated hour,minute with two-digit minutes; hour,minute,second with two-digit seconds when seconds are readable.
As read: 2,34
